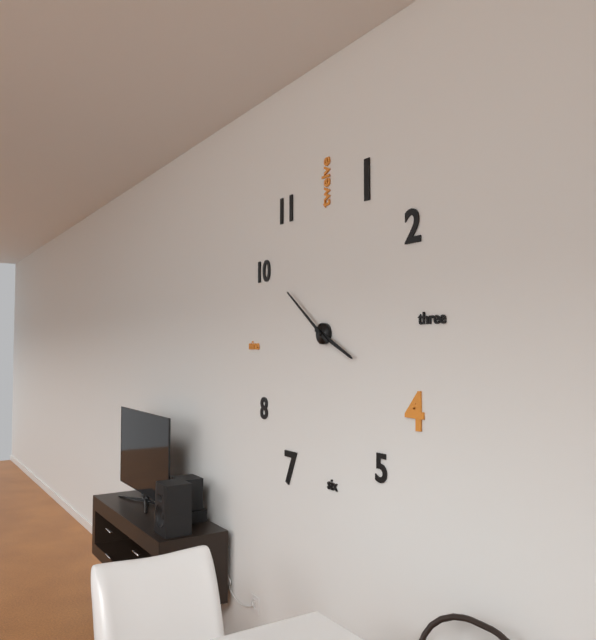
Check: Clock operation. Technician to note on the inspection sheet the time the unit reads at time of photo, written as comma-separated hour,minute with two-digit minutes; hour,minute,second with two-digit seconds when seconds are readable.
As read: 3,51
